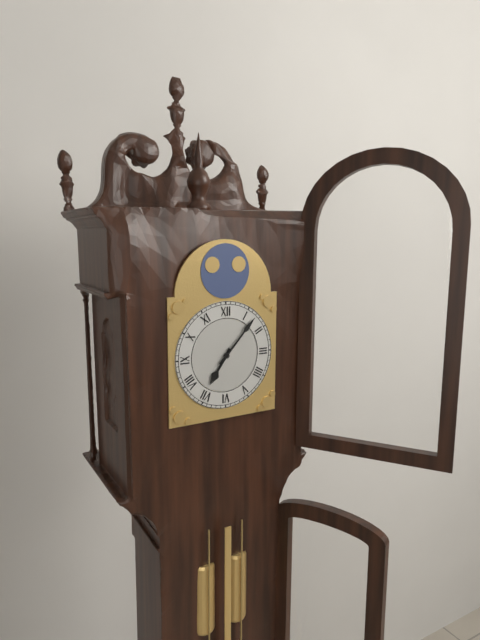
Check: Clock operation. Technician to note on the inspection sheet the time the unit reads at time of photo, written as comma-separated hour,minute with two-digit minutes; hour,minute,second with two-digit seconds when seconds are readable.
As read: 7,07
